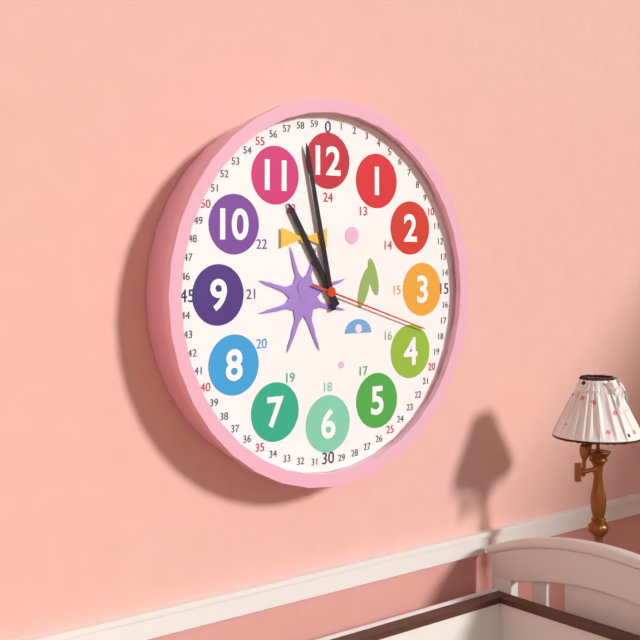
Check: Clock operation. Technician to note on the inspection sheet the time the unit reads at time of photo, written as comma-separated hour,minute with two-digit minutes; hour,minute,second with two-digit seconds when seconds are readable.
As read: 10,58,18
